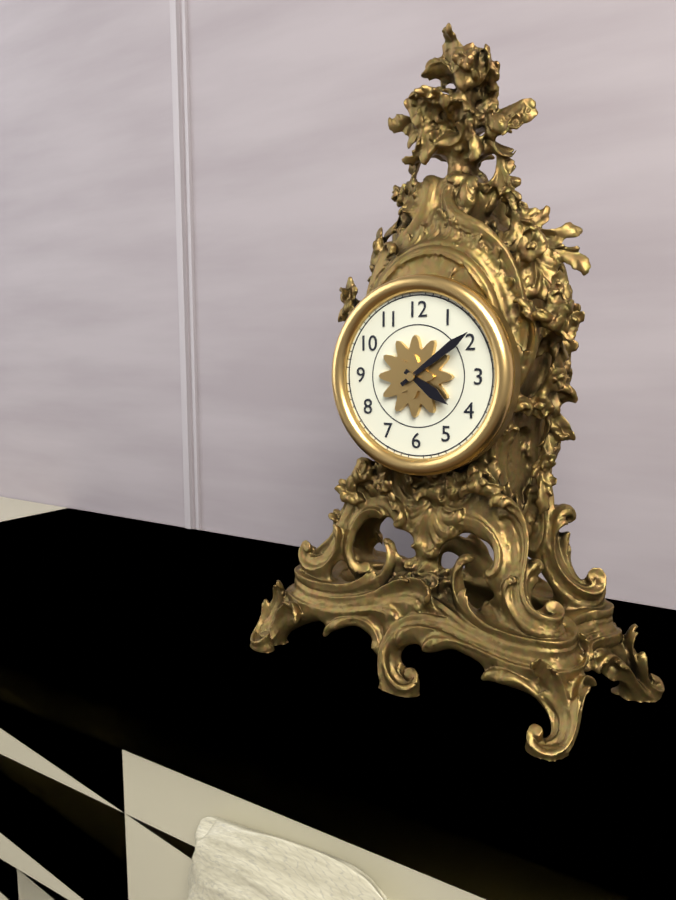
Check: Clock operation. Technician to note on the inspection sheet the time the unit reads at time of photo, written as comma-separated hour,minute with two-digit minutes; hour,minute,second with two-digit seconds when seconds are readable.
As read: 4,09
